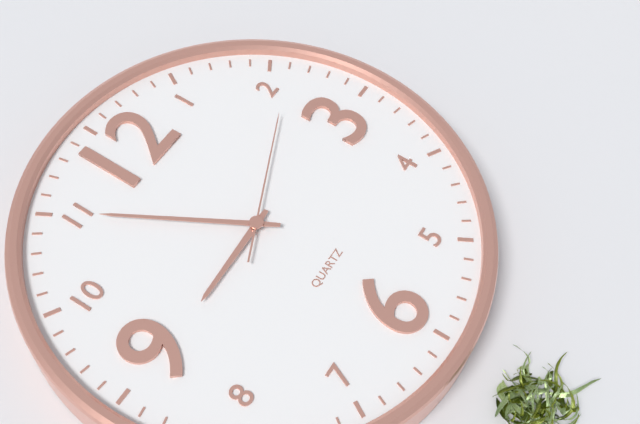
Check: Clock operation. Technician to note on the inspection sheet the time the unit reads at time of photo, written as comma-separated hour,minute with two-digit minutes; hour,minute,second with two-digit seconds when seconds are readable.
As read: 8,55,11
